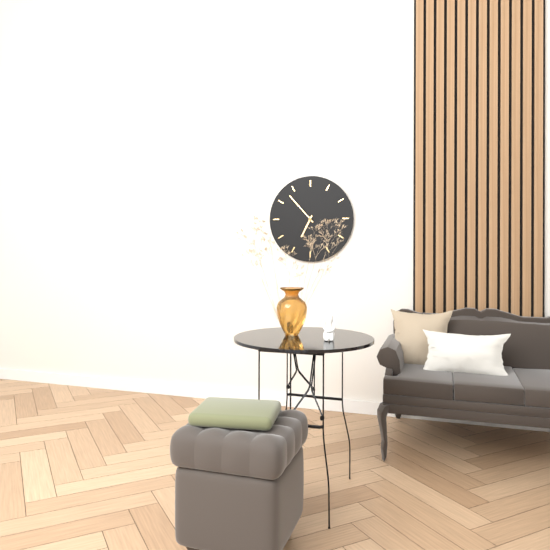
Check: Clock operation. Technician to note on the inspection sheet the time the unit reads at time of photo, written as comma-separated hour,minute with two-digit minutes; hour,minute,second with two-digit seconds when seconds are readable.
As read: 6,53
